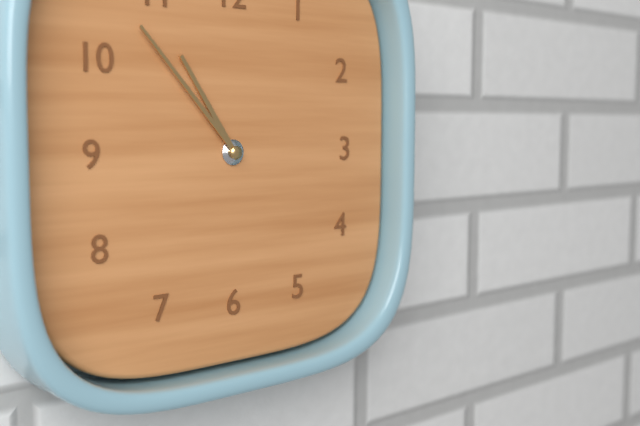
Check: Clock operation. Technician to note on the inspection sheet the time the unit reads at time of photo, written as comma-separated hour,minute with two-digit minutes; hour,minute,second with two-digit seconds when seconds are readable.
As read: 10,53
